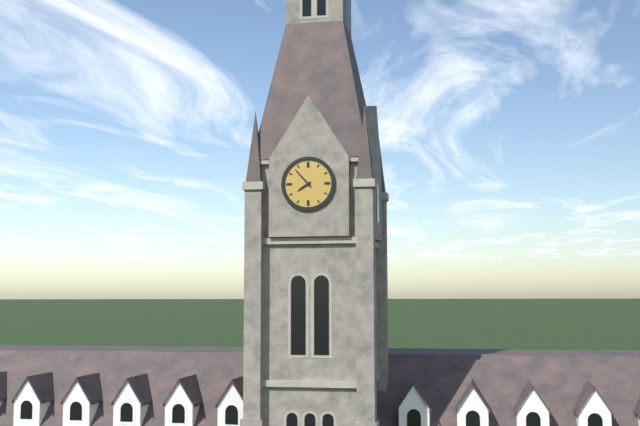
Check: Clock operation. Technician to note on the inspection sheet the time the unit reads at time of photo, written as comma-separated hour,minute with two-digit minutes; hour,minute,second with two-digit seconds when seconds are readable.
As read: 7,53
